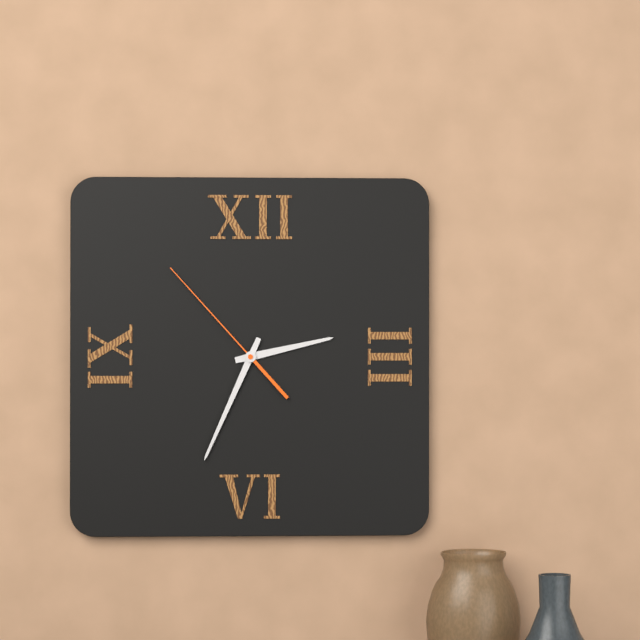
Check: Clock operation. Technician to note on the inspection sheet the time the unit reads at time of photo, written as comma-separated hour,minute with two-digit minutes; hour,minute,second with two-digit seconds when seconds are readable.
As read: 2,34,53
